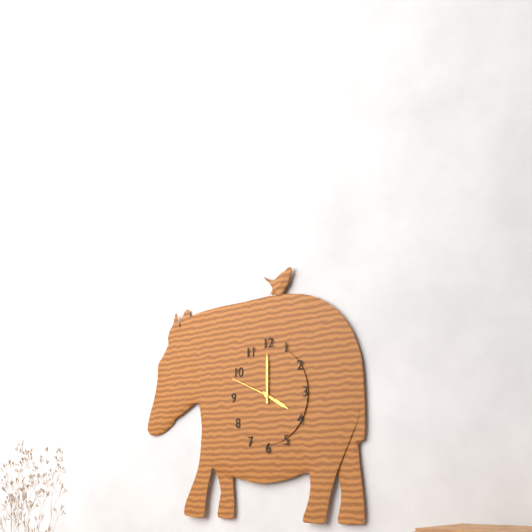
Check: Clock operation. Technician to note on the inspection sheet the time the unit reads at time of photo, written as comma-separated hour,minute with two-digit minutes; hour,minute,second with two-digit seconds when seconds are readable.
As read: 4,00
